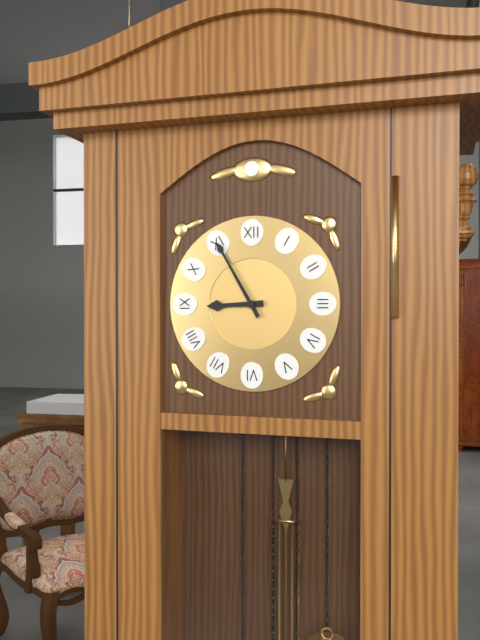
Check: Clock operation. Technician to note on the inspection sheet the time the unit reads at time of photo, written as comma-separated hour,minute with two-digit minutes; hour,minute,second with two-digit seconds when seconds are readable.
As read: 8,55
